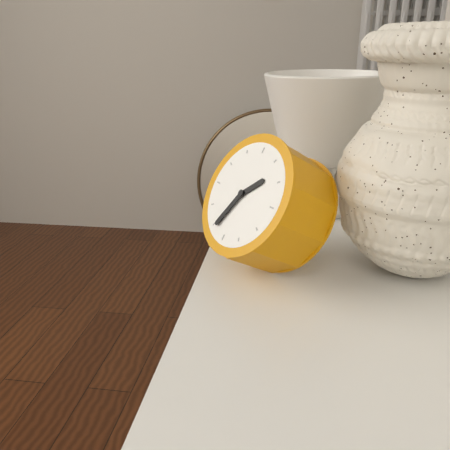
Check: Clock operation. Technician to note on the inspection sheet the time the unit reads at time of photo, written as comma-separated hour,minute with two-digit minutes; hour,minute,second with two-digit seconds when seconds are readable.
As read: 1,34
